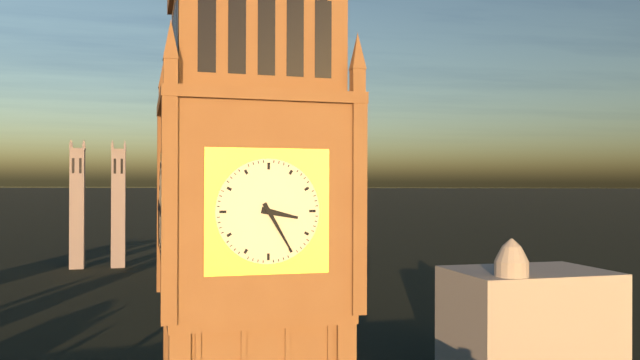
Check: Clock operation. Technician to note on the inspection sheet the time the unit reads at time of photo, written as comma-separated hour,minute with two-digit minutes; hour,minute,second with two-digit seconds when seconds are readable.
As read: 3,25
